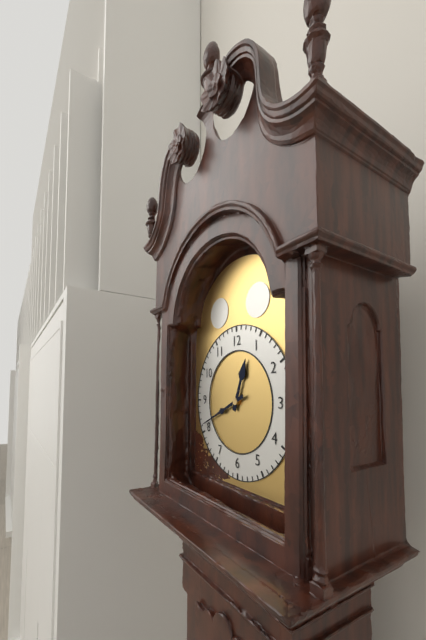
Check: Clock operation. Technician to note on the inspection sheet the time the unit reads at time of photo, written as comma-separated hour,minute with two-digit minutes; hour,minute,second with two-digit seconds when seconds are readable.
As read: 12,41
